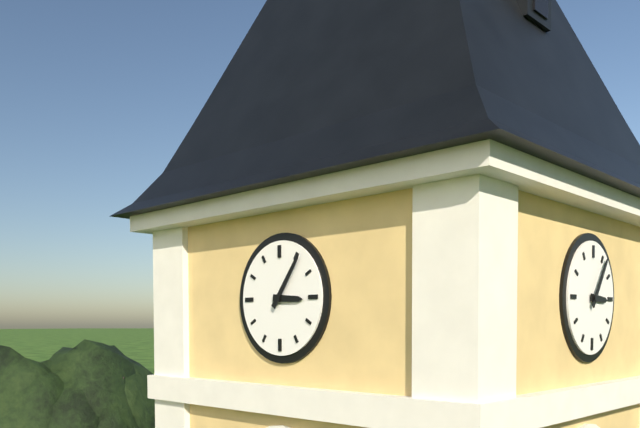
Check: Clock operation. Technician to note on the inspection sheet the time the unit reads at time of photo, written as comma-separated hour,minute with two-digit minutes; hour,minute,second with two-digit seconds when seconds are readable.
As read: 3,06
